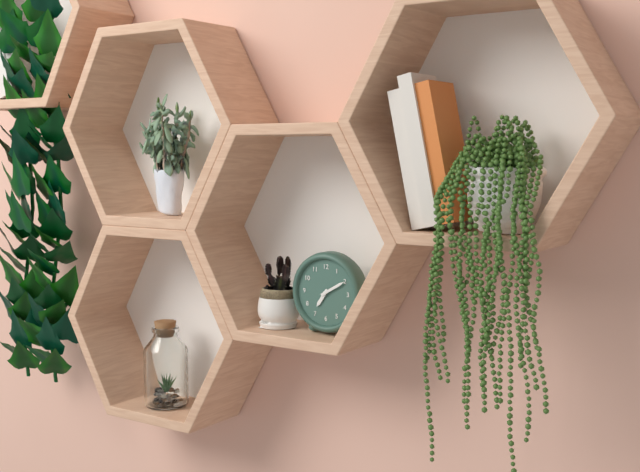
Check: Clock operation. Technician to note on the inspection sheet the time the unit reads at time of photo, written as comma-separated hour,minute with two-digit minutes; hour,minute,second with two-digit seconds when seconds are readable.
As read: 7,10
